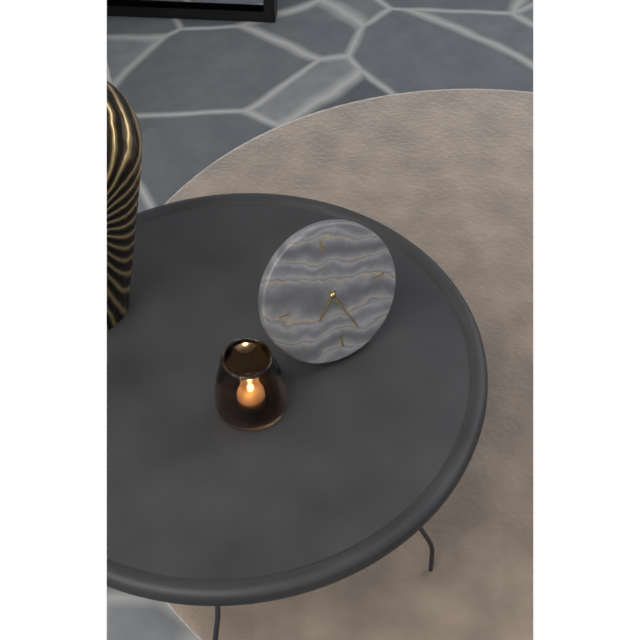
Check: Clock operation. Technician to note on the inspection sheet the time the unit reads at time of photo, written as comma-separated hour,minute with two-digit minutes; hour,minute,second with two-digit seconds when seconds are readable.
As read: 7,26
